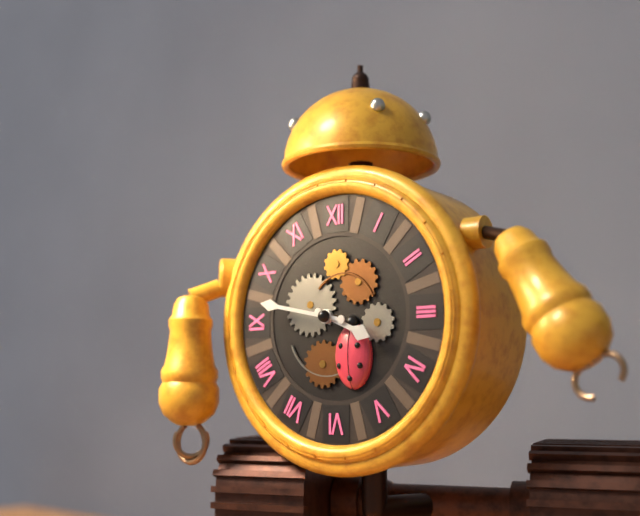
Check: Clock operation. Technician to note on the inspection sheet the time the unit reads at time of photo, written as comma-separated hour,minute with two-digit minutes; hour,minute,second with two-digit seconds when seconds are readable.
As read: 3,47
